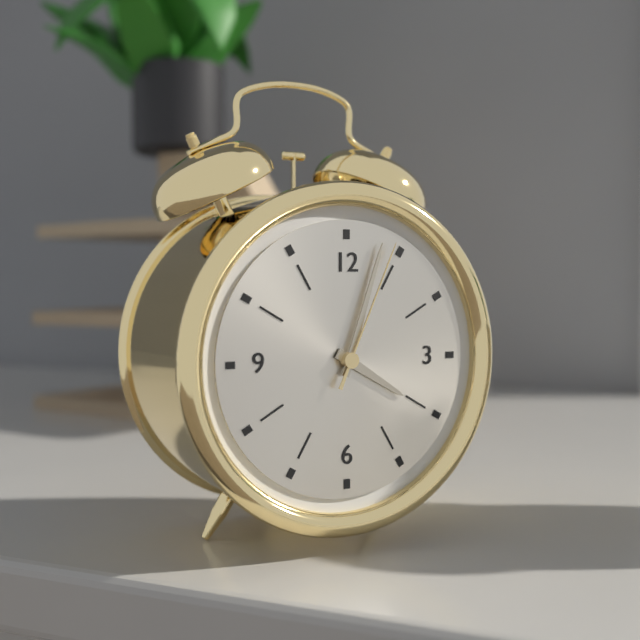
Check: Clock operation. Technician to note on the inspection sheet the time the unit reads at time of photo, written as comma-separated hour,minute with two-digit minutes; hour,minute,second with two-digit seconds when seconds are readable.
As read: 4,03,04
